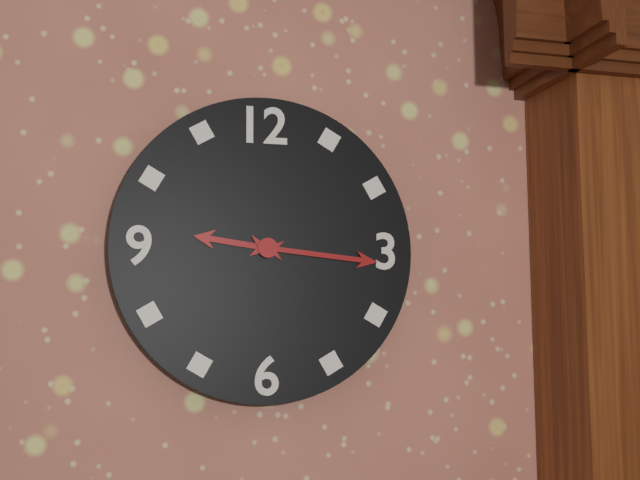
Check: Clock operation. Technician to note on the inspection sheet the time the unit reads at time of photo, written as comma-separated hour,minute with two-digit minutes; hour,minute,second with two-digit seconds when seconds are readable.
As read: 9,16
